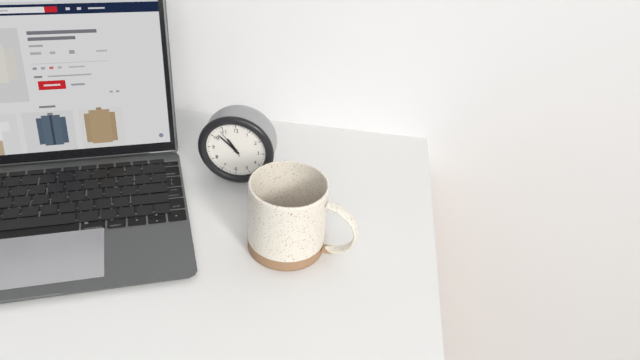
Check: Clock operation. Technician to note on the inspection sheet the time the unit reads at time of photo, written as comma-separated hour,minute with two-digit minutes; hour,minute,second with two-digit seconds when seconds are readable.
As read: 10,52
